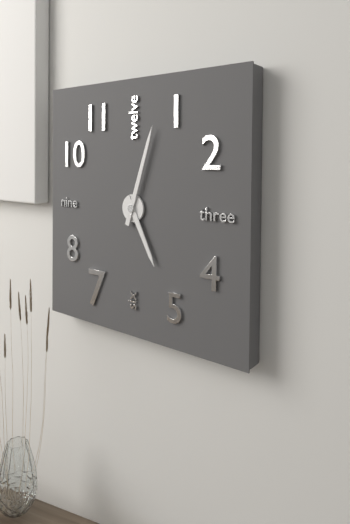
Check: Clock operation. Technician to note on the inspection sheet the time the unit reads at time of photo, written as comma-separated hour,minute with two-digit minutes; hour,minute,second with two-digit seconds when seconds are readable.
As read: 5,03
